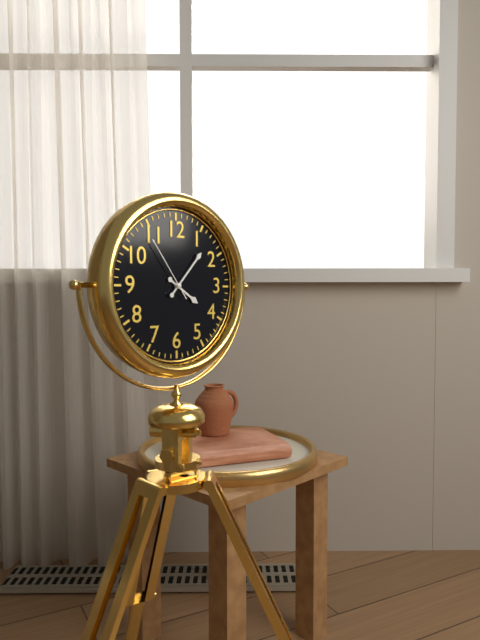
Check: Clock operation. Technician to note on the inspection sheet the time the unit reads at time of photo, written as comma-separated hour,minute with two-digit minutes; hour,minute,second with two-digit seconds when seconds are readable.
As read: 4,07,54
